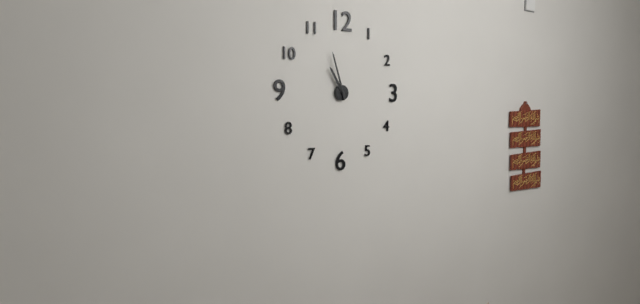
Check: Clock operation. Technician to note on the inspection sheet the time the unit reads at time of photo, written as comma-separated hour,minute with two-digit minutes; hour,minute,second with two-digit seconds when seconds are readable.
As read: 10,57
